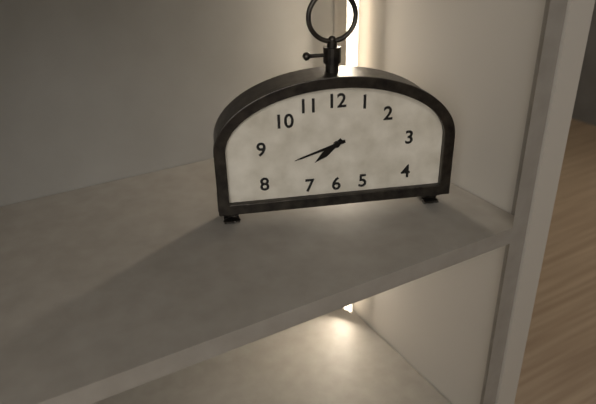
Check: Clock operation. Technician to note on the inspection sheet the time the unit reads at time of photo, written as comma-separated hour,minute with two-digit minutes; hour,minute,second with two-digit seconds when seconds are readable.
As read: 7,42
